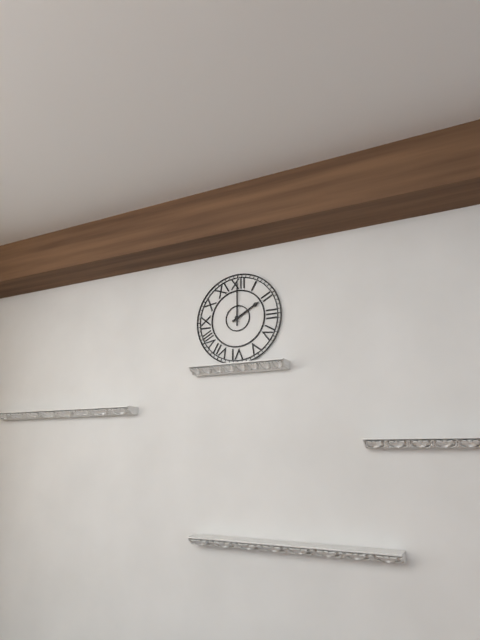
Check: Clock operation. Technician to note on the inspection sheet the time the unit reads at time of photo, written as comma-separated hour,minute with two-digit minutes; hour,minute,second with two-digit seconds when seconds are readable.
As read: 2,00
